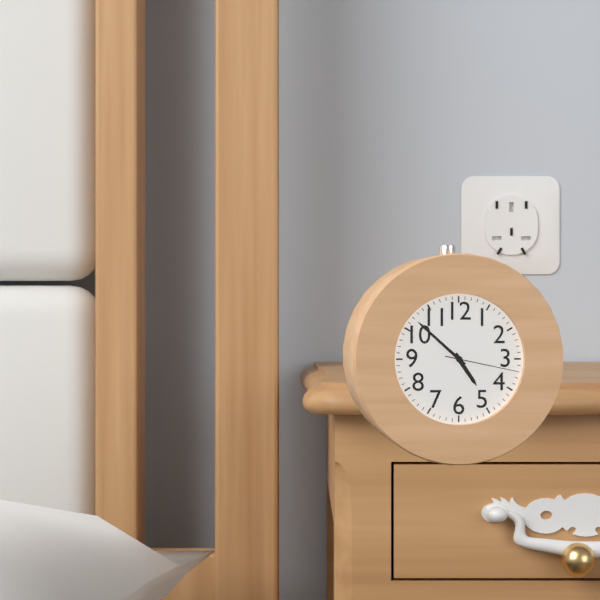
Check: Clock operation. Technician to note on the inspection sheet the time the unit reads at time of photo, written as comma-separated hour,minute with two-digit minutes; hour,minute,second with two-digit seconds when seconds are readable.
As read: 4,52,17
